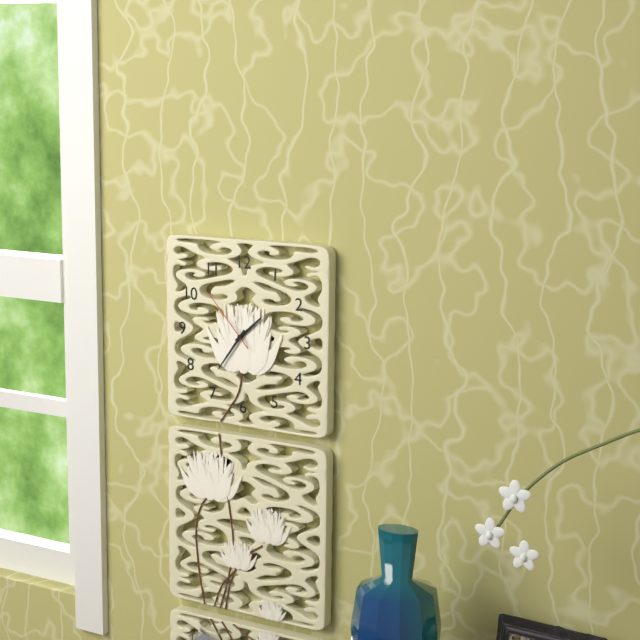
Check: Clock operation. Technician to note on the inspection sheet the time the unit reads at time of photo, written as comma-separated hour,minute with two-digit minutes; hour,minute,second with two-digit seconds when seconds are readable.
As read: 1,36,53
